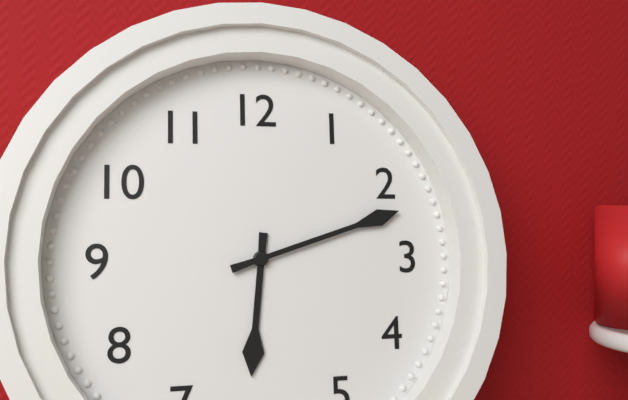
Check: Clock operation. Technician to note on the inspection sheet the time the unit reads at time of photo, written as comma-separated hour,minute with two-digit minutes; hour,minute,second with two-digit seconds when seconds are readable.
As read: 6,12
